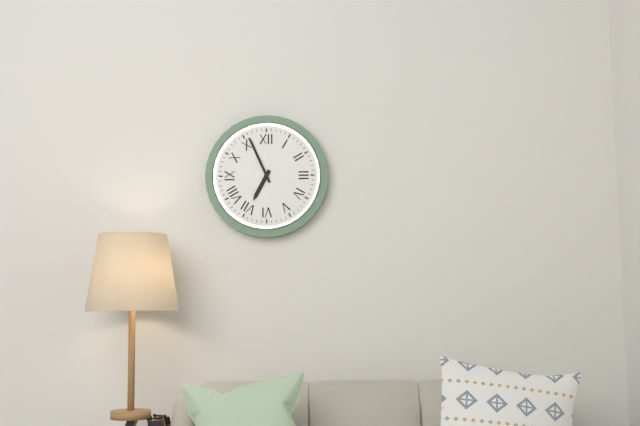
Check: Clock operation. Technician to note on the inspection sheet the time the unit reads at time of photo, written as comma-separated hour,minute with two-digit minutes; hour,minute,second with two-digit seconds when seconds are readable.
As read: 6,56
